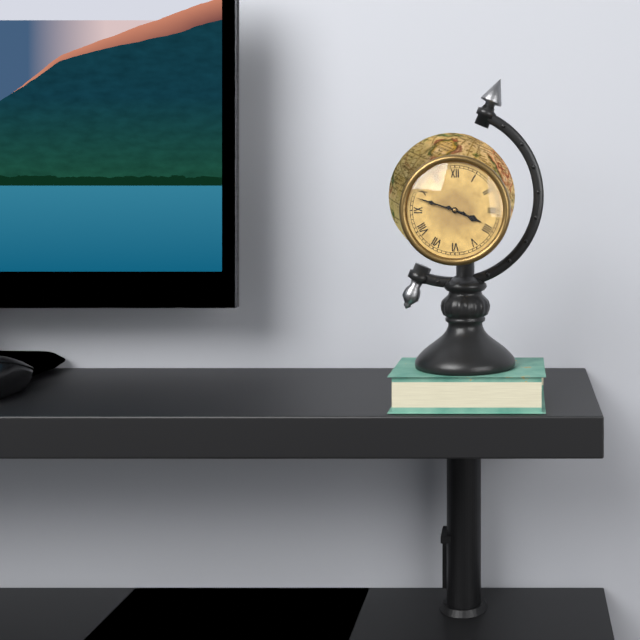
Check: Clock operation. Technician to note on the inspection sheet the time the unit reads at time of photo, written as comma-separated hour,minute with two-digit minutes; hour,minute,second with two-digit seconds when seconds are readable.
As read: 3,48
